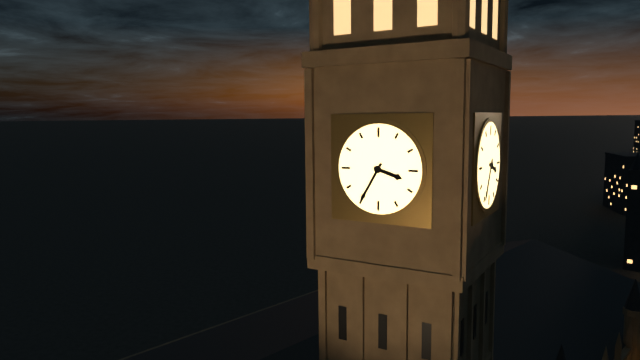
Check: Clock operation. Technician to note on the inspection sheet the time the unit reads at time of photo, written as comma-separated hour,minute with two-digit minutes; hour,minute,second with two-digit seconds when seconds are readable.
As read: 3,35
